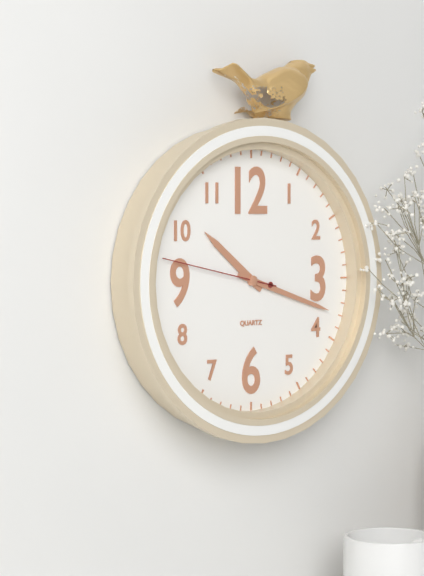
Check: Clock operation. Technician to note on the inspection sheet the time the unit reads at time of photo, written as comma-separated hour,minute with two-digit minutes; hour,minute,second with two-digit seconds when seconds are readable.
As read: 10,18,47
